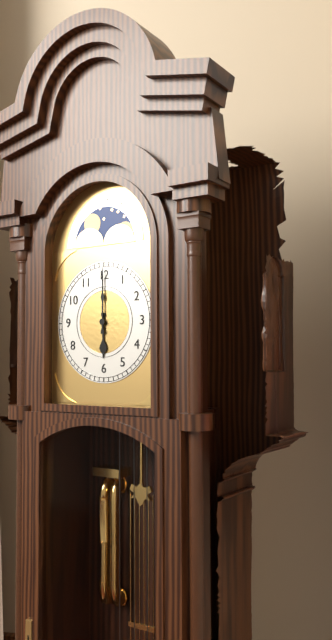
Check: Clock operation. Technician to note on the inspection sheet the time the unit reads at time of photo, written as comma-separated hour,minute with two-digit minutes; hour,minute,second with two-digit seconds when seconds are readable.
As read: 6,00
